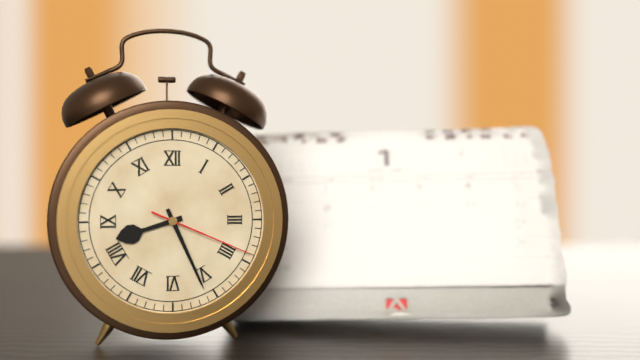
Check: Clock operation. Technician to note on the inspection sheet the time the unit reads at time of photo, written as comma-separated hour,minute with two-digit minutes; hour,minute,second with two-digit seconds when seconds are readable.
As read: 8,26,19
